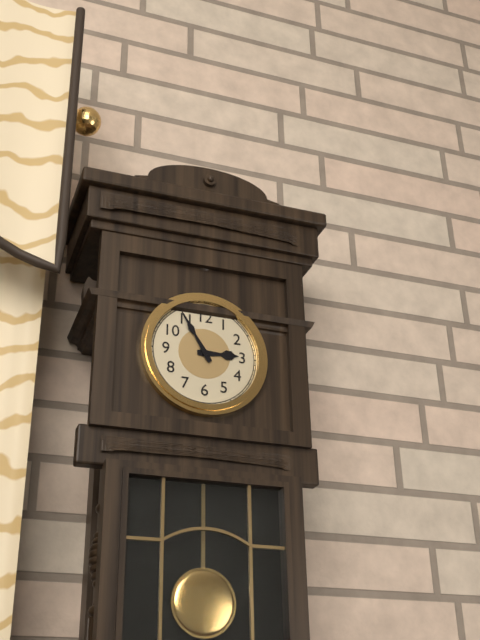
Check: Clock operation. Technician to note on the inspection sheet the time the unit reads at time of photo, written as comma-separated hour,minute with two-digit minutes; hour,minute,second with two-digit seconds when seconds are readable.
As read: 2,55
